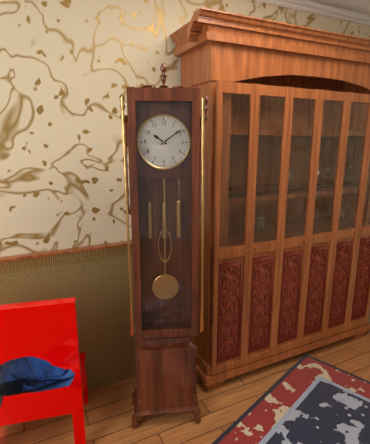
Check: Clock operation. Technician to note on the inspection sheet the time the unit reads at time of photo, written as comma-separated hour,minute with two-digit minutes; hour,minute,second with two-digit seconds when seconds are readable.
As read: 10,09
